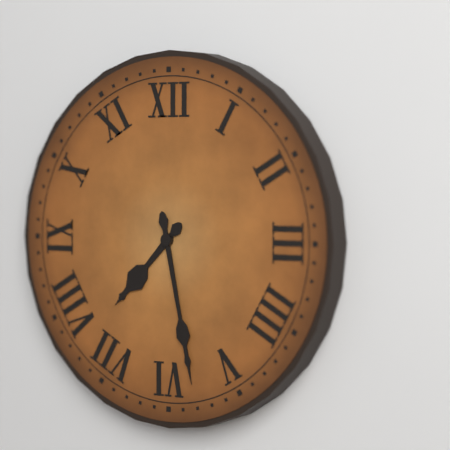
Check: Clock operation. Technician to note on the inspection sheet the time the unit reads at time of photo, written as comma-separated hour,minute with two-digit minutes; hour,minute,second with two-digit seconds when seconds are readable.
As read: 7,28
